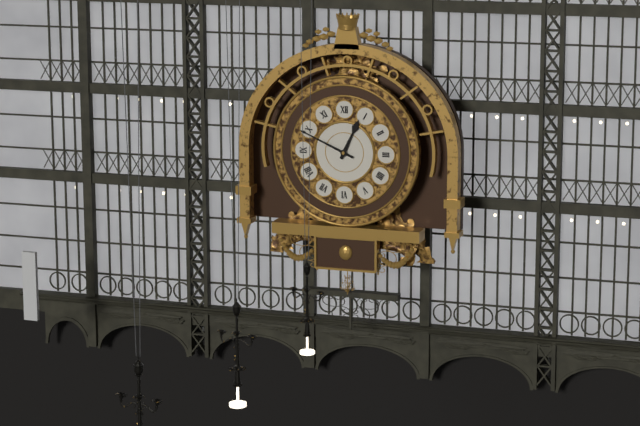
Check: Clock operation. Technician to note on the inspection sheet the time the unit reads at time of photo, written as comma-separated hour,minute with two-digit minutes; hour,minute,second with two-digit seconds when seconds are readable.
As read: 12,49
